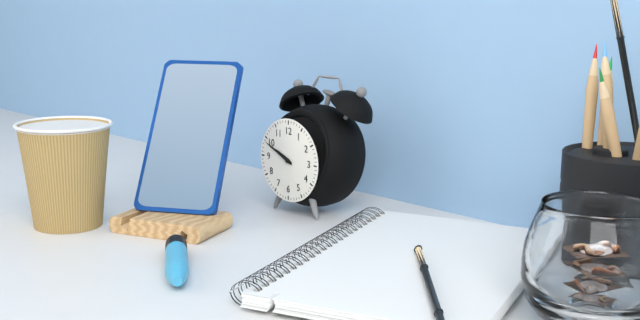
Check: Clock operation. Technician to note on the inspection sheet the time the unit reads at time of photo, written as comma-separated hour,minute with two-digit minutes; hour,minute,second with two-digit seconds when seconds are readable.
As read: 9,49
